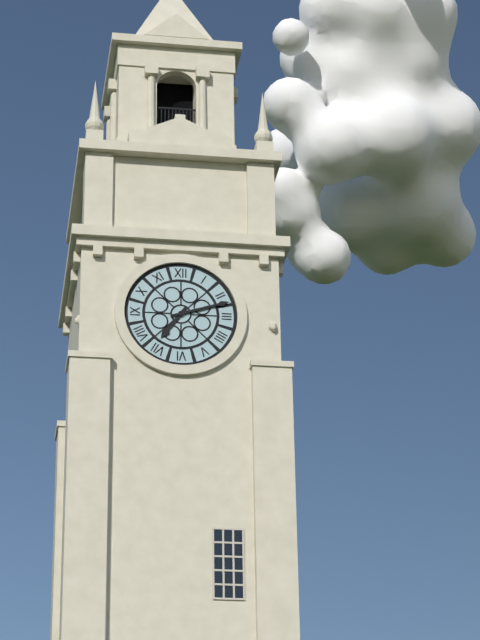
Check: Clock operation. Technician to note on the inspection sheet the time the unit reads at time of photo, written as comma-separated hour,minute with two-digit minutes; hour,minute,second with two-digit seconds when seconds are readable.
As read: 7,12
